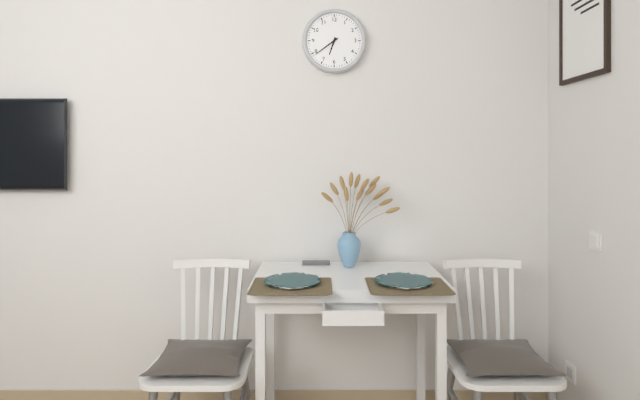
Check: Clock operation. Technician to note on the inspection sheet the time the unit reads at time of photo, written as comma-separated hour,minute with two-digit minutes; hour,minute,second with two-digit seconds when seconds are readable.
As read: 6,39
